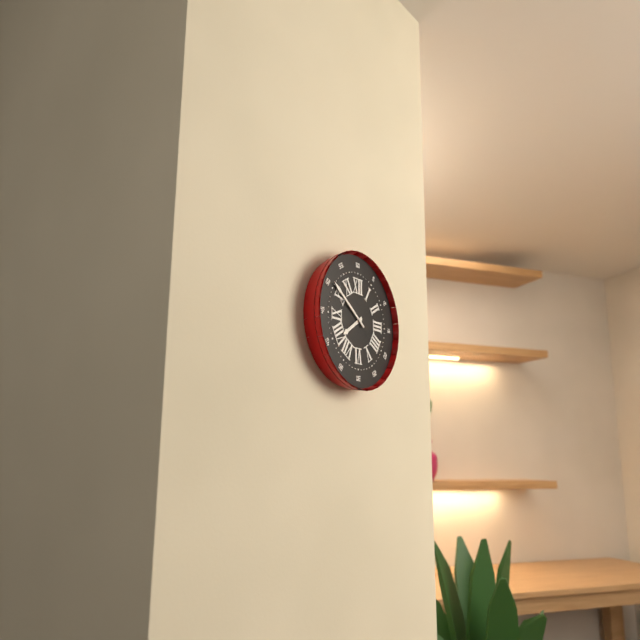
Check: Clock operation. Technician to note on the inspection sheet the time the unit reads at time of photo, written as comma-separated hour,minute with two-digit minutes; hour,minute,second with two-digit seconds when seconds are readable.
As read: 7,51
